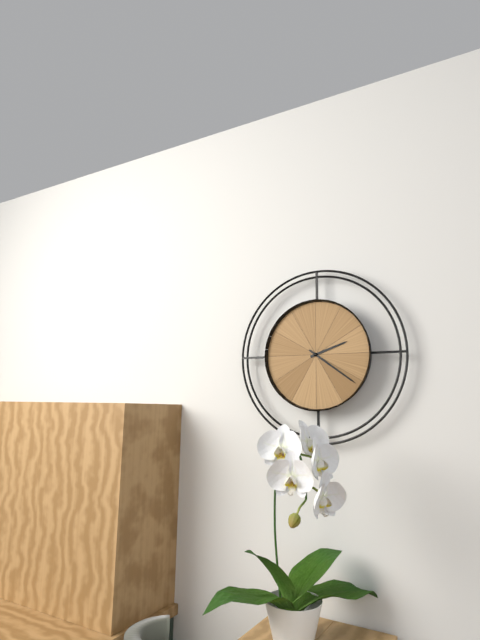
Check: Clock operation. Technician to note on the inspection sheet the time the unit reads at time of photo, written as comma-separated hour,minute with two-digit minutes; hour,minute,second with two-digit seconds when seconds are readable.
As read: 2,21
